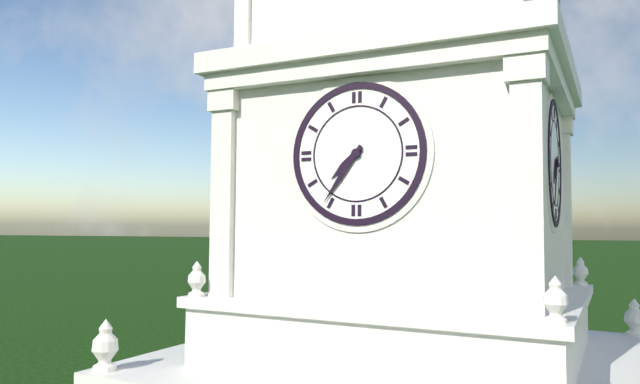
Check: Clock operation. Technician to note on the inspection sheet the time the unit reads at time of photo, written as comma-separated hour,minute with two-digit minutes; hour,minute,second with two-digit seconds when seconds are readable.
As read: 7,36
